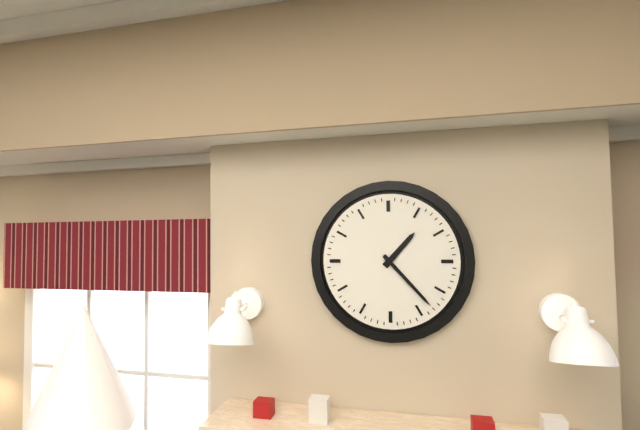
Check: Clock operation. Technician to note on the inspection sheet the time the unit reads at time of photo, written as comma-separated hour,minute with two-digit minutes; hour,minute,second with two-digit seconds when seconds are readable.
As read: 1,23
